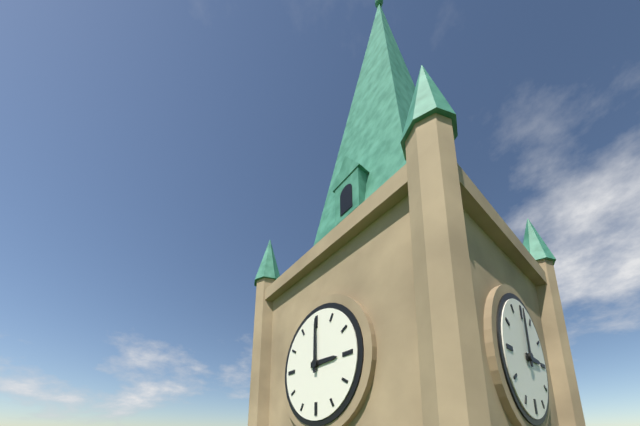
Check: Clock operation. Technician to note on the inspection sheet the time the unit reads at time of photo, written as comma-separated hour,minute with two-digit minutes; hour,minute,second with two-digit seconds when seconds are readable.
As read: 3,00
